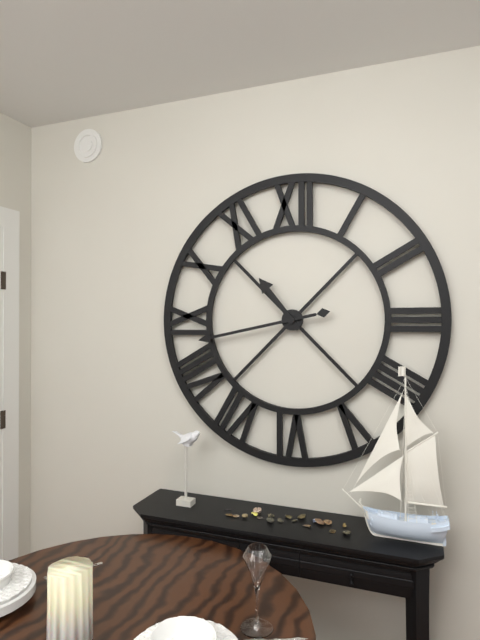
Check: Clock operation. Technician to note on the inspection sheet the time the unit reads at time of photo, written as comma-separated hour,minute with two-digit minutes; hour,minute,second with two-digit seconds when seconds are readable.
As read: 10,43
